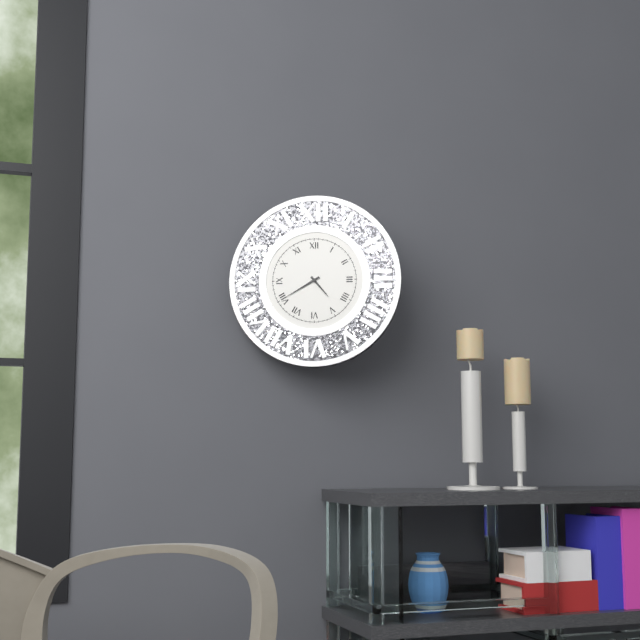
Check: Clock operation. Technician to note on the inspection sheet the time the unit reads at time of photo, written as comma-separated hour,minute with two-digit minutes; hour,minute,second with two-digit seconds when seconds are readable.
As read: 4,40
